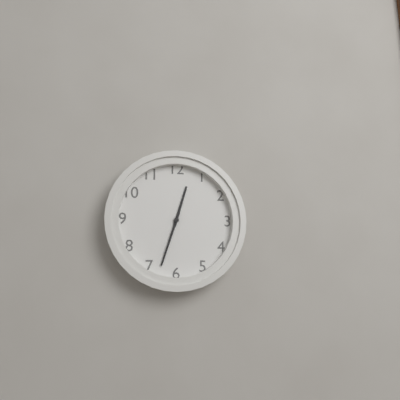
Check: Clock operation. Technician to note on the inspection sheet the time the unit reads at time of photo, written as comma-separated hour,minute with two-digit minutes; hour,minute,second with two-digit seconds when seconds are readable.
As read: 12,33
